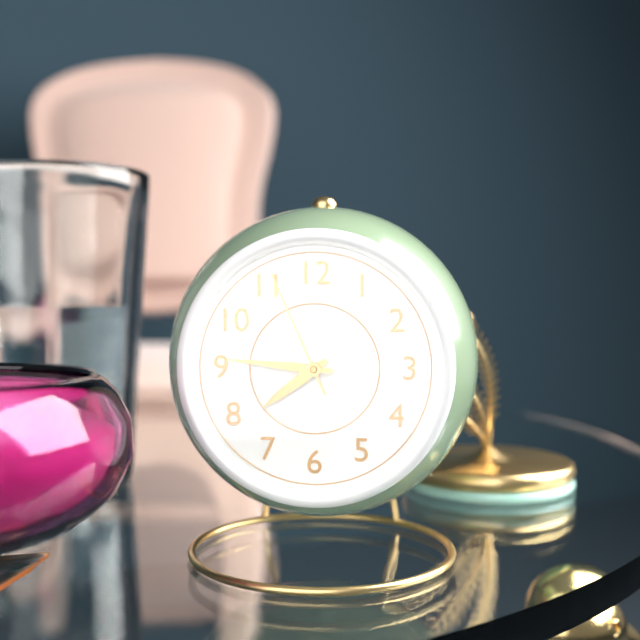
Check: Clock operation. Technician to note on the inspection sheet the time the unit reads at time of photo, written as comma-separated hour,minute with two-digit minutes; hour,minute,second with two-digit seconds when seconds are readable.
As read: 7,46,56
